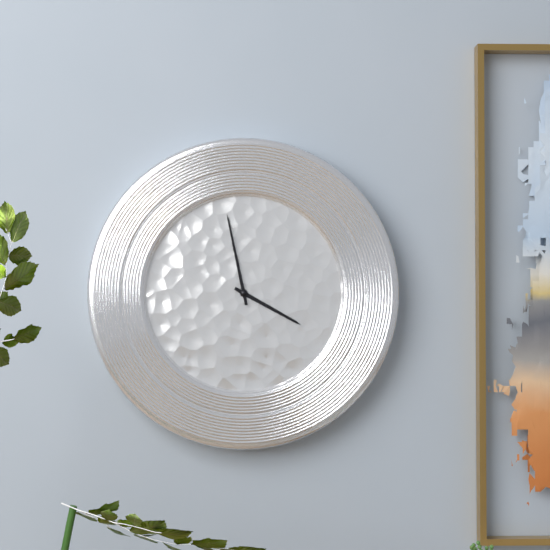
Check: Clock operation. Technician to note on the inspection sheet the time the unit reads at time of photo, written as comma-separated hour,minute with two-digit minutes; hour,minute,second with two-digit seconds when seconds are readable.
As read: 3,58
